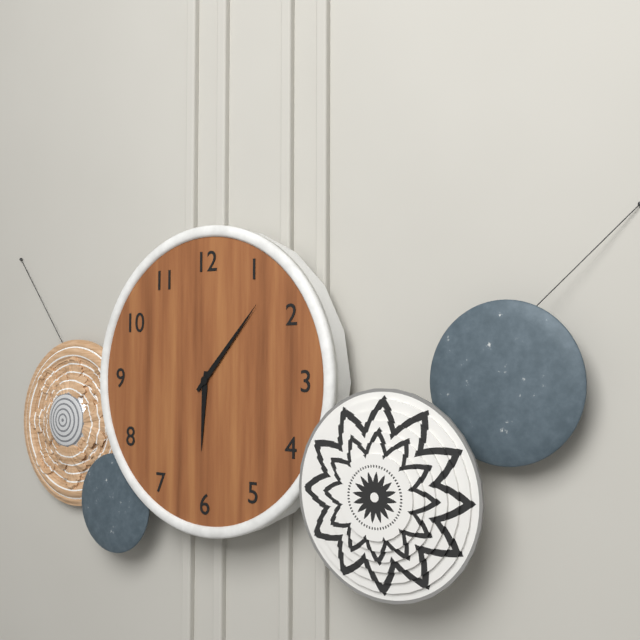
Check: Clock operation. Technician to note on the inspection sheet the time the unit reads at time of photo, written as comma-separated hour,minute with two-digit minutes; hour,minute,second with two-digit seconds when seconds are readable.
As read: 6,07
